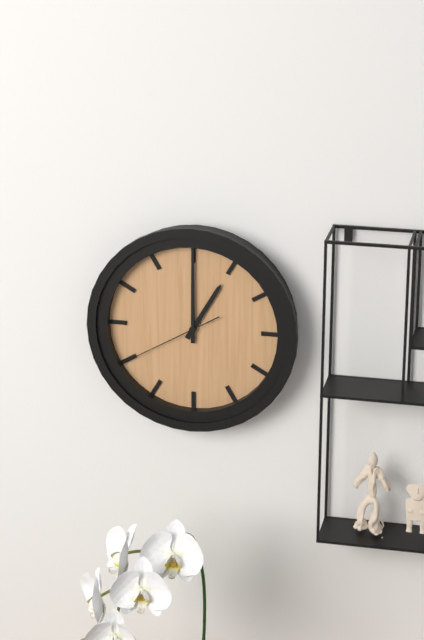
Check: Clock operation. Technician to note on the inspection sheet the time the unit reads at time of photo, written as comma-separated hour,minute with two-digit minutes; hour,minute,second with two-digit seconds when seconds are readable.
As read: 1,00,40
